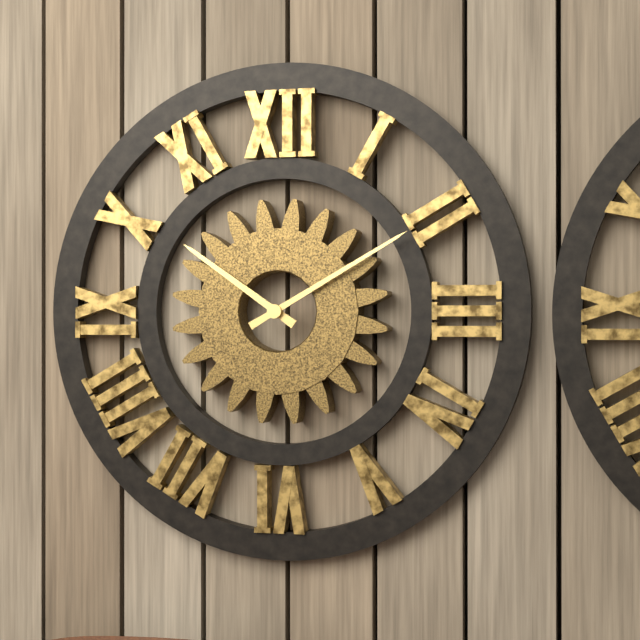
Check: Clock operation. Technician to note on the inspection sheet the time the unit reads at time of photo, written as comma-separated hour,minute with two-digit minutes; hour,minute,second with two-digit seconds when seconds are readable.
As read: 10,10
